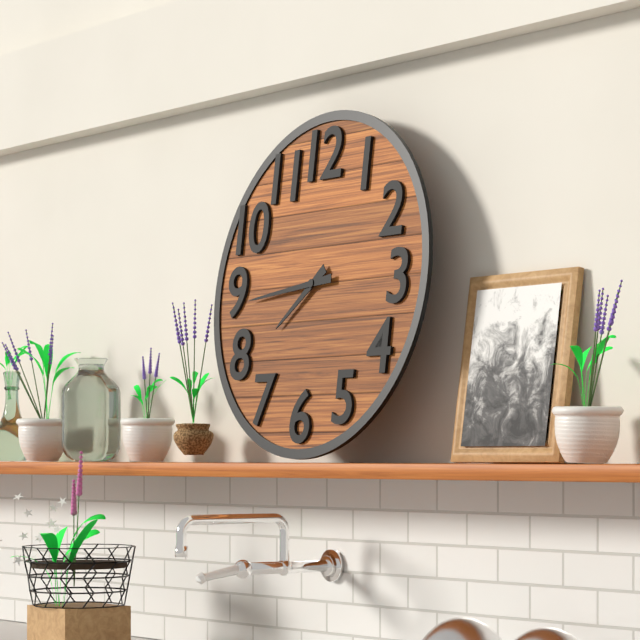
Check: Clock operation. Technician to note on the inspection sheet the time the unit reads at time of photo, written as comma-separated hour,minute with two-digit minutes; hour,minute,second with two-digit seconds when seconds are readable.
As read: 7,44
